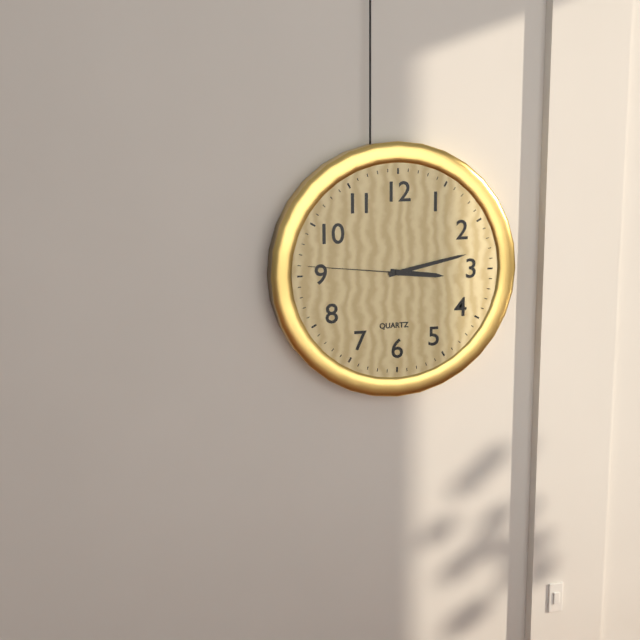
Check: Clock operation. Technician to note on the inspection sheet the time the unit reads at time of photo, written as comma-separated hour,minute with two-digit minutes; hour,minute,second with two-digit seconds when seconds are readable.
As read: 3,13,46
